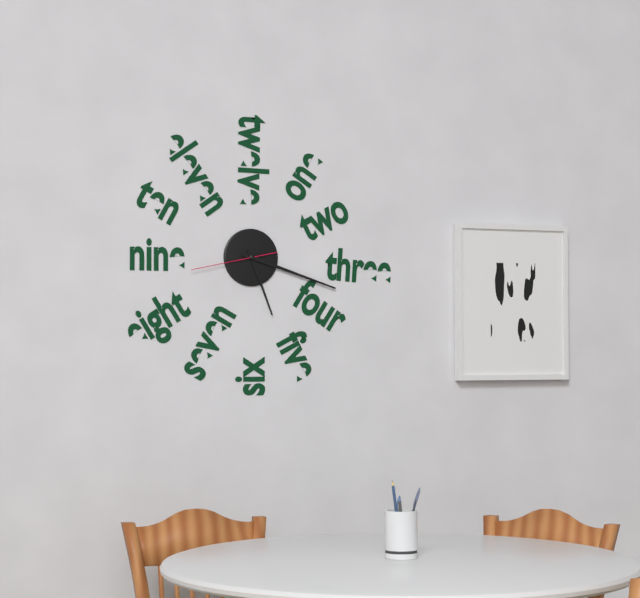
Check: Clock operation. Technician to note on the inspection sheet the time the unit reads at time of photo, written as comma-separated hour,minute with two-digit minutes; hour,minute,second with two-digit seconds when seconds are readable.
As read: 5,18,43
